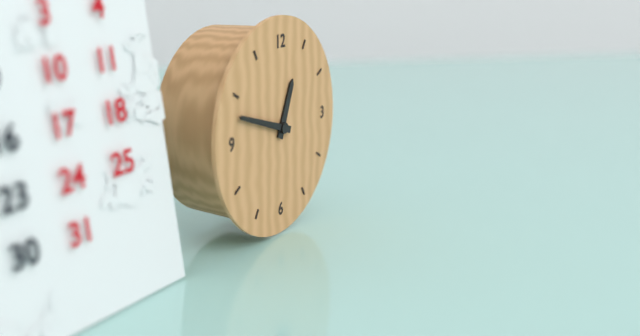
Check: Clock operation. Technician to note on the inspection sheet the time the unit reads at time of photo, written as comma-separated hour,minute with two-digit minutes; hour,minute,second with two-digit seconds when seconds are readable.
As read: 12,48
